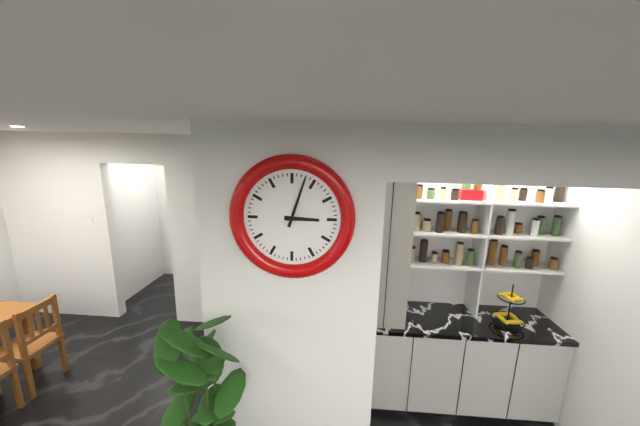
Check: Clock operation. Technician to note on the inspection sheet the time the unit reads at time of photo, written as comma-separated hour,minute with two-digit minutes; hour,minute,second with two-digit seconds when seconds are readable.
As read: 3,03
